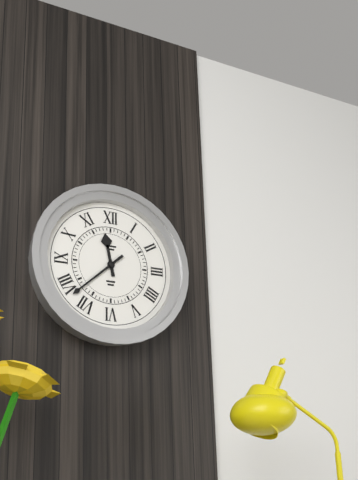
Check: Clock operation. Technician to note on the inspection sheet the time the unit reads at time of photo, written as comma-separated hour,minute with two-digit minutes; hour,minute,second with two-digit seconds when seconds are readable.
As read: 11,38
